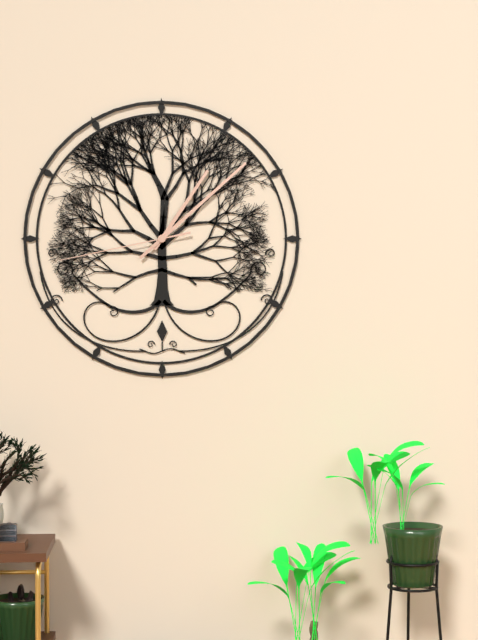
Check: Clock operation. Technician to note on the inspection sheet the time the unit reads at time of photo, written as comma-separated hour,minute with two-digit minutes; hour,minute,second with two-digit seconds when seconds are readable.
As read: 1,08,43
